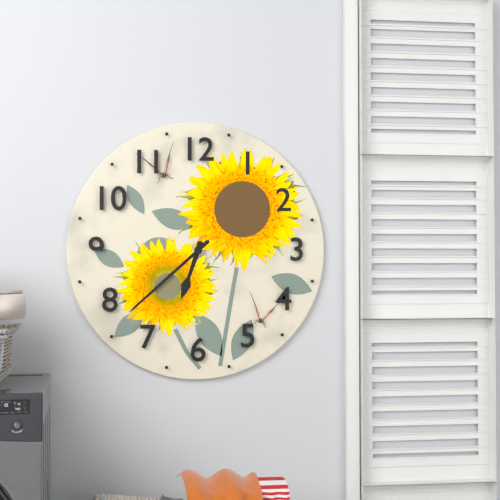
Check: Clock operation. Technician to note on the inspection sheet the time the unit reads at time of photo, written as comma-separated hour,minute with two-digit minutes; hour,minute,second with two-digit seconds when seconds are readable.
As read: 6,38
